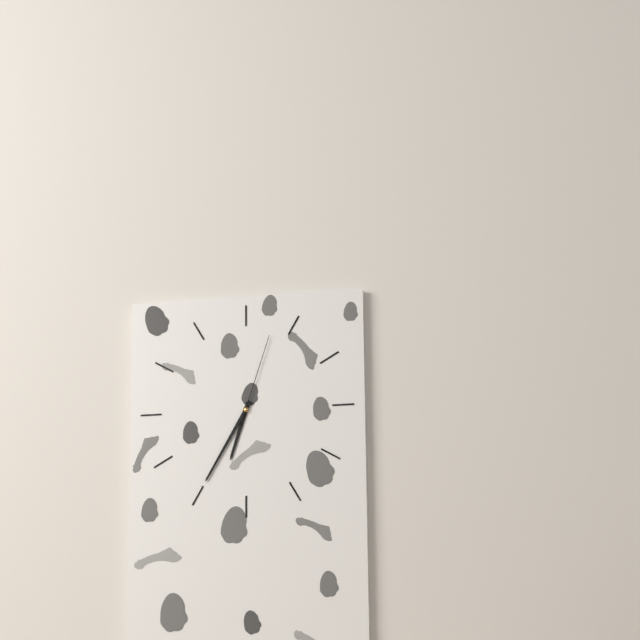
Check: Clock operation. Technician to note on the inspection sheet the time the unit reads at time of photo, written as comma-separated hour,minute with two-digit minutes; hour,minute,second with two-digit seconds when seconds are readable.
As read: 6,35,03
